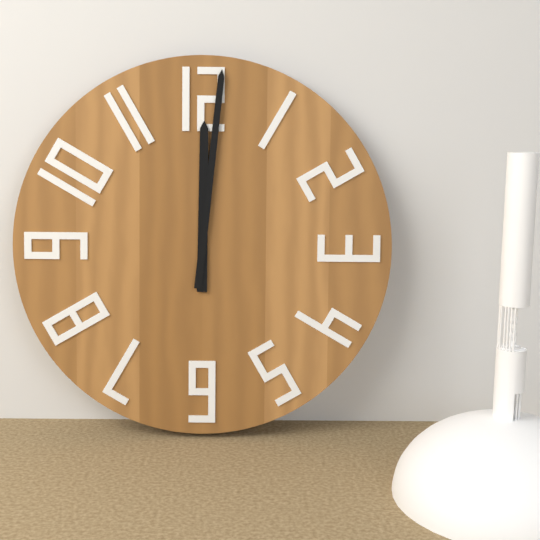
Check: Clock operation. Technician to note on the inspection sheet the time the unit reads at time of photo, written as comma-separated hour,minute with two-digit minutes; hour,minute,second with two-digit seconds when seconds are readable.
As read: 12,01
